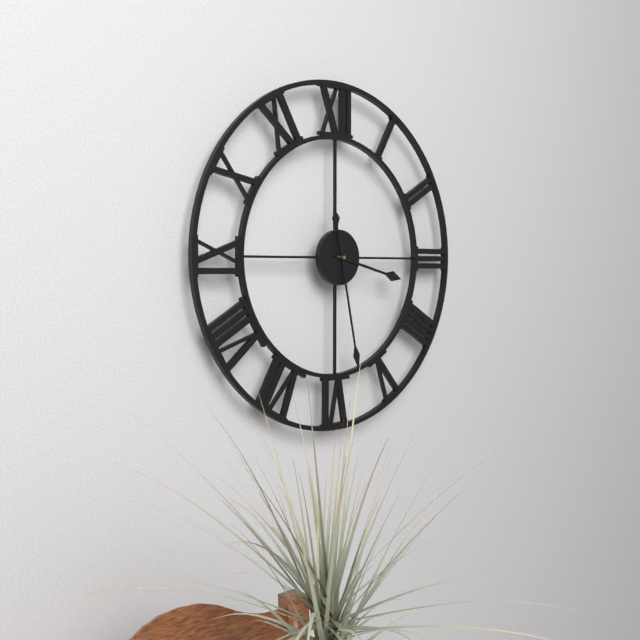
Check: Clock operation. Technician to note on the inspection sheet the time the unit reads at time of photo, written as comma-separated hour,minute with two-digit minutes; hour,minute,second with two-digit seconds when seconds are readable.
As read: 3,28
